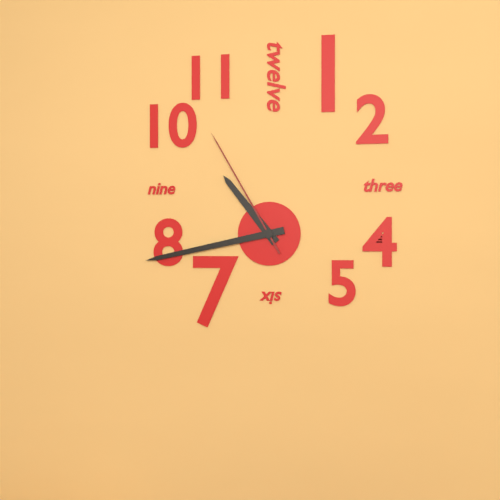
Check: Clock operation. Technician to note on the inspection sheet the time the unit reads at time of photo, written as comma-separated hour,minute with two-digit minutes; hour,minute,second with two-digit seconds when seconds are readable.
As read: 10,43,55
